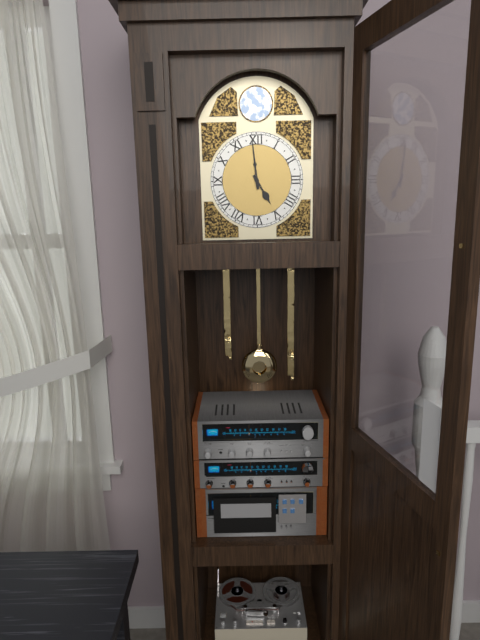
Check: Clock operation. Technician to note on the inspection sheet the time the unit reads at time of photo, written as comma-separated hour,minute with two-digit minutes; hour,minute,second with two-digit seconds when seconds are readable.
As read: 4,59
